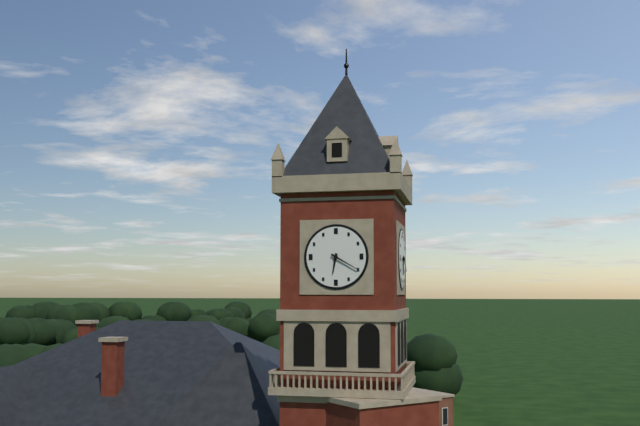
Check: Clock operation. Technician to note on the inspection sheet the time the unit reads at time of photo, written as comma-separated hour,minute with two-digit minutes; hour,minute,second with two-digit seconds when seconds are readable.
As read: 6,20
